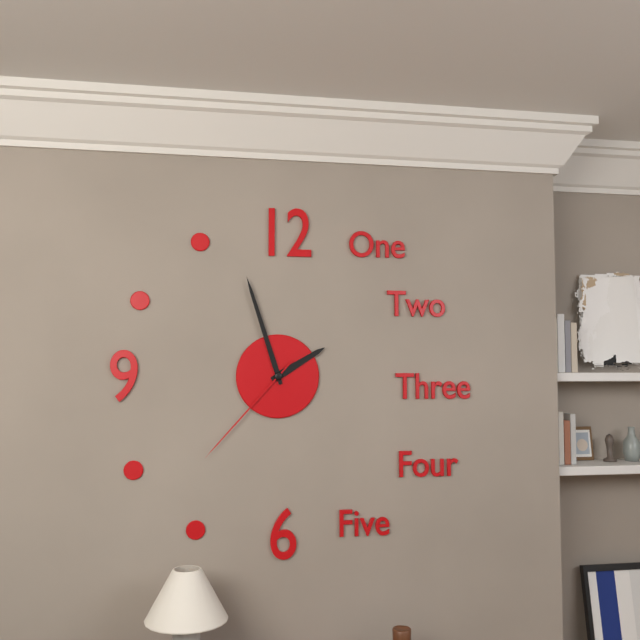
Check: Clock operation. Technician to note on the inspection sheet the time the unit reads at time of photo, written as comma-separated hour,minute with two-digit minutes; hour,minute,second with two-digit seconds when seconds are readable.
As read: 1,57,37
